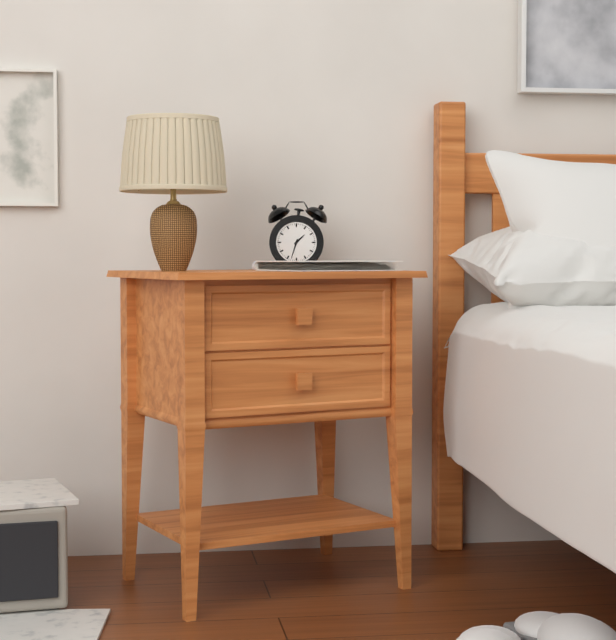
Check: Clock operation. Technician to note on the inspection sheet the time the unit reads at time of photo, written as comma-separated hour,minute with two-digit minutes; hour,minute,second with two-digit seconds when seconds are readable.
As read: 1,33
